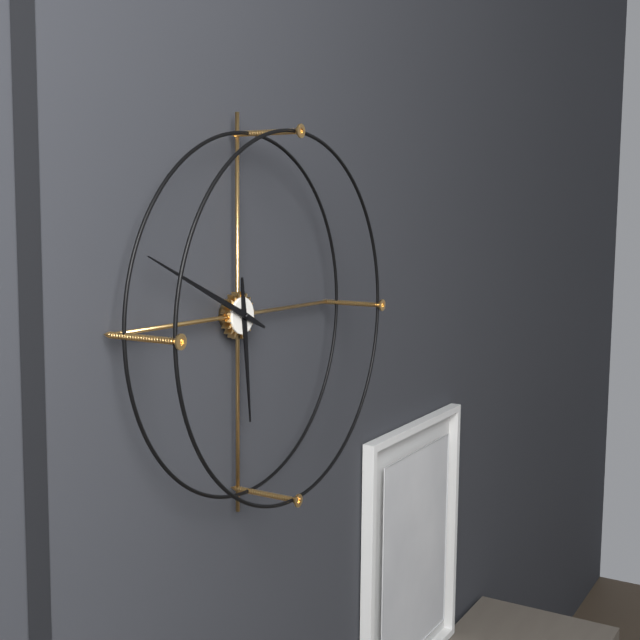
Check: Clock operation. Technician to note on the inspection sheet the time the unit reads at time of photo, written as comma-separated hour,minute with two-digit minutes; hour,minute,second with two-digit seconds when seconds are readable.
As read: 5,49
